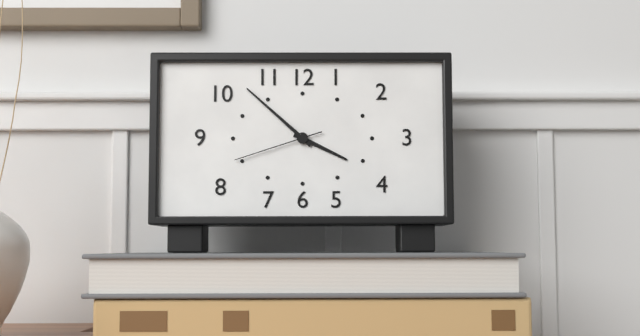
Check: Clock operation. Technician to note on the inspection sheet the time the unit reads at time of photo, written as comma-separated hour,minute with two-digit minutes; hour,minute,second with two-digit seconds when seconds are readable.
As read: 3,52,42
